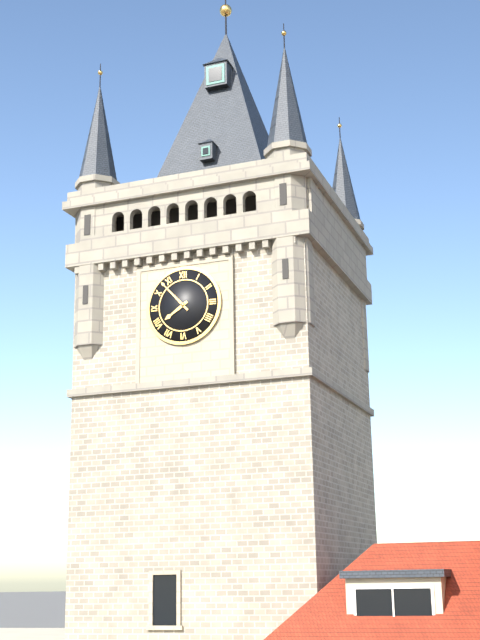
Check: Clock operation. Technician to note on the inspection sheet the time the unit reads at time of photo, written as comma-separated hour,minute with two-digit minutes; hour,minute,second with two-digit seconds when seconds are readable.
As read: 7,53
